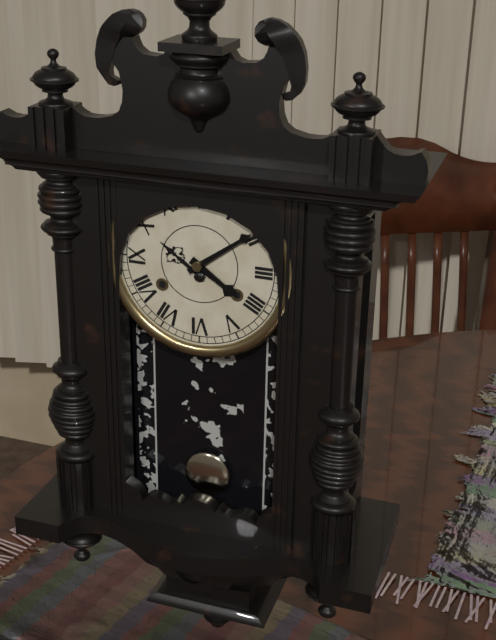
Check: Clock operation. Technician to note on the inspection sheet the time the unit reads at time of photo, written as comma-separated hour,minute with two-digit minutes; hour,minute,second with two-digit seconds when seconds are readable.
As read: 4,09
